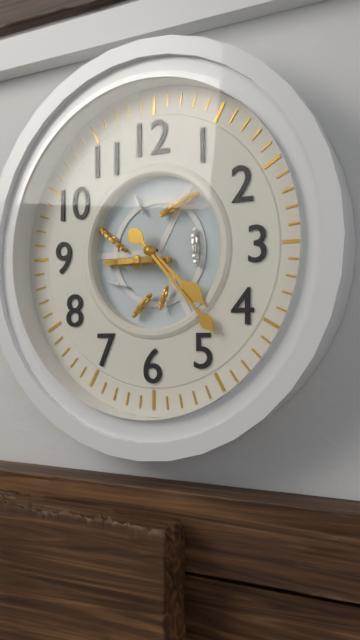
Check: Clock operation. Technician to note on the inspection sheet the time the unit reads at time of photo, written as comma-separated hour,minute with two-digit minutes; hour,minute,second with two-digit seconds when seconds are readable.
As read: 4,23
